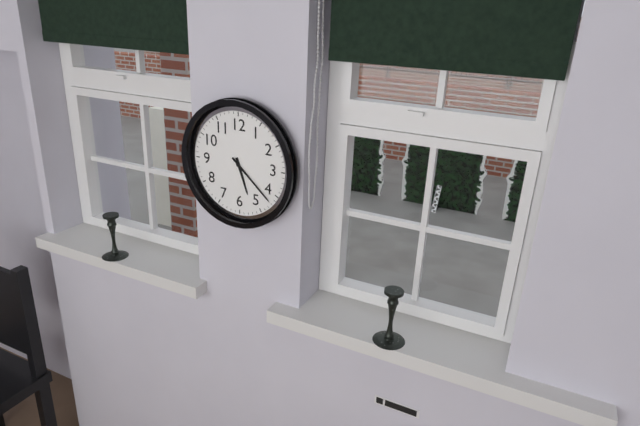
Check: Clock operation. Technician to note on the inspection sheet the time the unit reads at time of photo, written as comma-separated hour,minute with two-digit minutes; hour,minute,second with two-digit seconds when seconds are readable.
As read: 5,22
